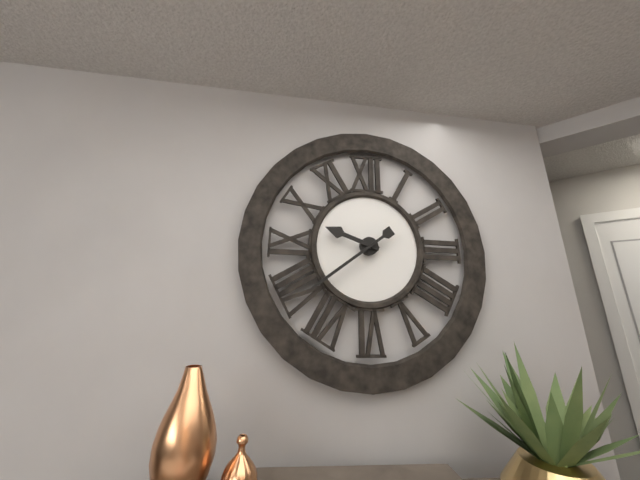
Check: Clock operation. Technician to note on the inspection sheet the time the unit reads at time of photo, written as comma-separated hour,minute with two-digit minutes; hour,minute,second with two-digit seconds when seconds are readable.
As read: 9,39
